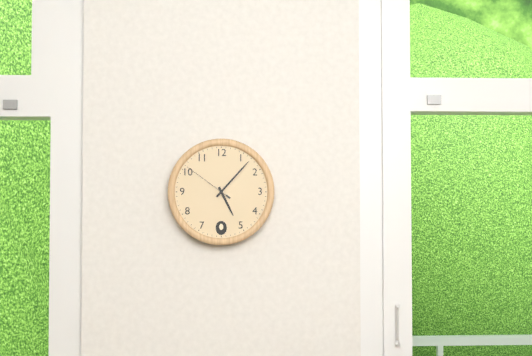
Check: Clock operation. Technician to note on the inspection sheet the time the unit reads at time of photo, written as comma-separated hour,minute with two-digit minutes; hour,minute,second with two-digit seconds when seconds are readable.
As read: 5,07,51
